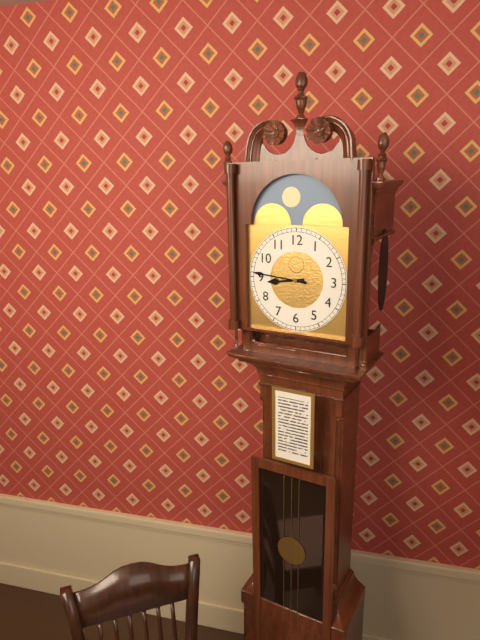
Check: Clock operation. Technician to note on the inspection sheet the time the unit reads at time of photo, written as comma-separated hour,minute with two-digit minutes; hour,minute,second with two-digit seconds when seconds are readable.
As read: 8,46
